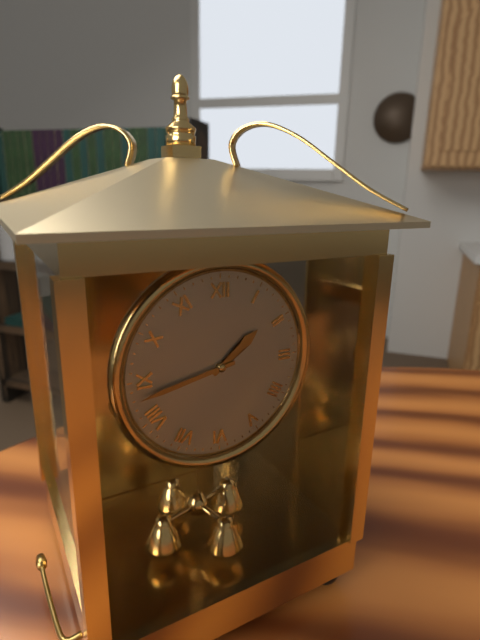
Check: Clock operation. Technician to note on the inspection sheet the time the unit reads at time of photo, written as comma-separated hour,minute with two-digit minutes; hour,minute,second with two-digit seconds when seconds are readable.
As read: 1,43
